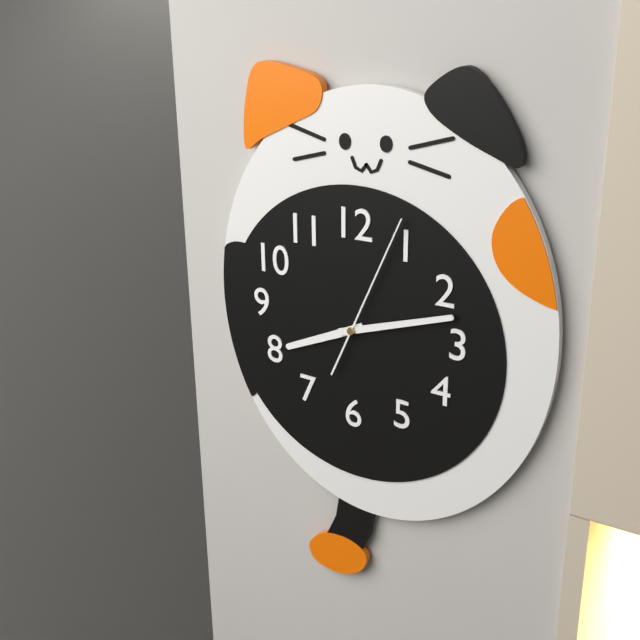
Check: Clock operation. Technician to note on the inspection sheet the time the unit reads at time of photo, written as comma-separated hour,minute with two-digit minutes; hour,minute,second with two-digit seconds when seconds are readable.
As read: 8,12,04
